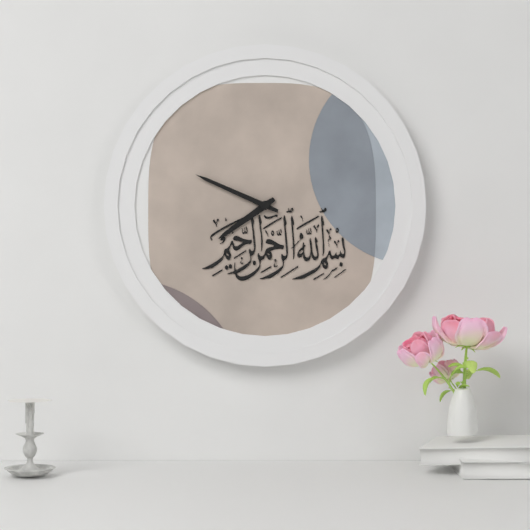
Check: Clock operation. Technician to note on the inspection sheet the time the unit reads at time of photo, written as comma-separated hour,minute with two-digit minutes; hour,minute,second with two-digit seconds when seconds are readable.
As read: 7,49
